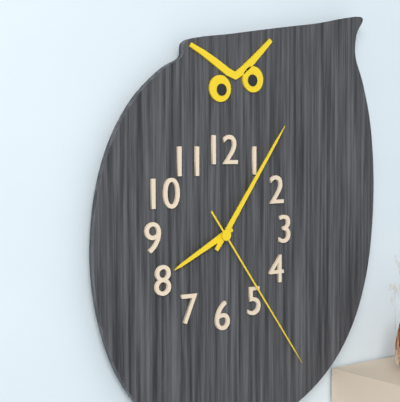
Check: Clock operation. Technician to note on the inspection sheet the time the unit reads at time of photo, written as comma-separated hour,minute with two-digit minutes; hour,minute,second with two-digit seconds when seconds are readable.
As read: 8,06,24
